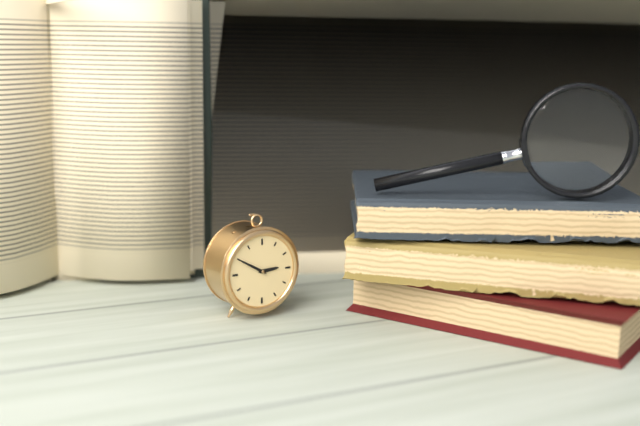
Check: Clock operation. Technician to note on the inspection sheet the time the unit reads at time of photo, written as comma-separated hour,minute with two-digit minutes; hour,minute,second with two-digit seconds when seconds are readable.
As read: 2,50
